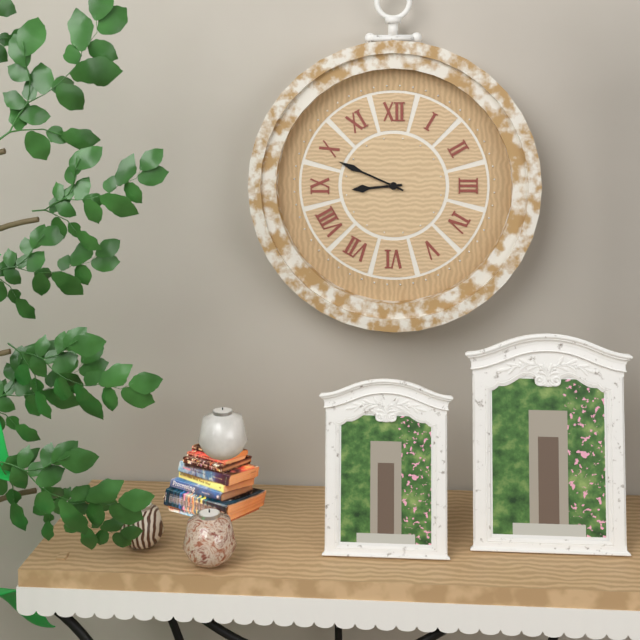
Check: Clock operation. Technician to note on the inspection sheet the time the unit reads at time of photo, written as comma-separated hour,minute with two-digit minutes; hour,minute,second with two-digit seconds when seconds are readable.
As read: 8,49
